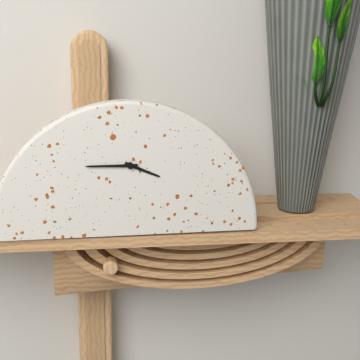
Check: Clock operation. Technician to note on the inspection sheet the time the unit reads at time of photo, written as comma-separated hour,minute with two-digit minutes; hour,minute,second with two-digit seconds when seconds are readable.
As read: 3,45
